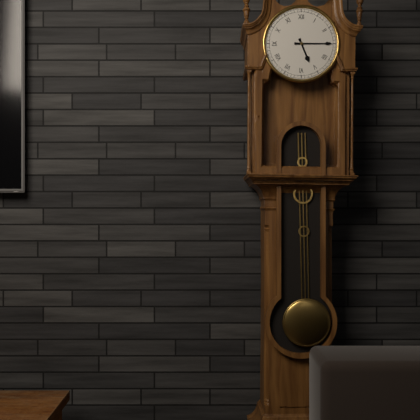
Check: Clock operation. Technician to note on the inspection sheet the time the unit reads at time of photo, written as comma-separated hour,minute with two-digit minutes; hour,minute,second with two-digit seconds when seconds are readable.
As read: 5,15
